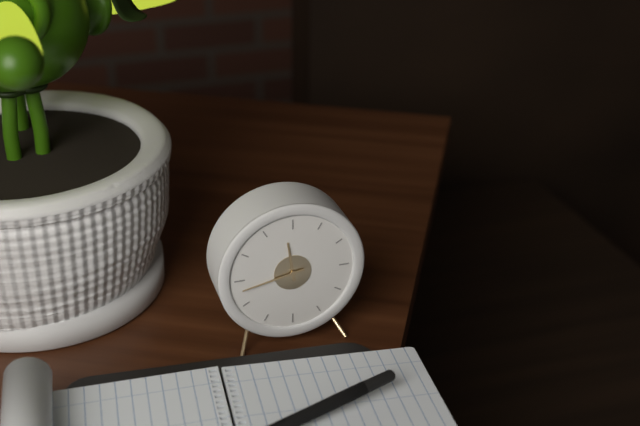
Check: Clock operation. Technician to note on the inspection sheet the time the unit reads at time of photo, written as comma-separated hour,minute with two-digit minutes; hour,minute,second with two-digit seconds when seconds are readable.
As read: 11,43
